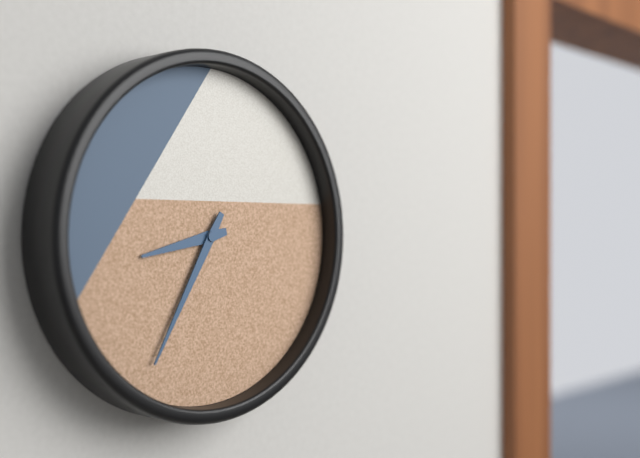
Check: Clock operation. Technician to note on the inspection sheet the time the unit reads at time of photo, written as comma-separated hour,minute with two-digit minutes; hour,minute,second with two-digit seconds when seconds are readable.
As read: 8,35
